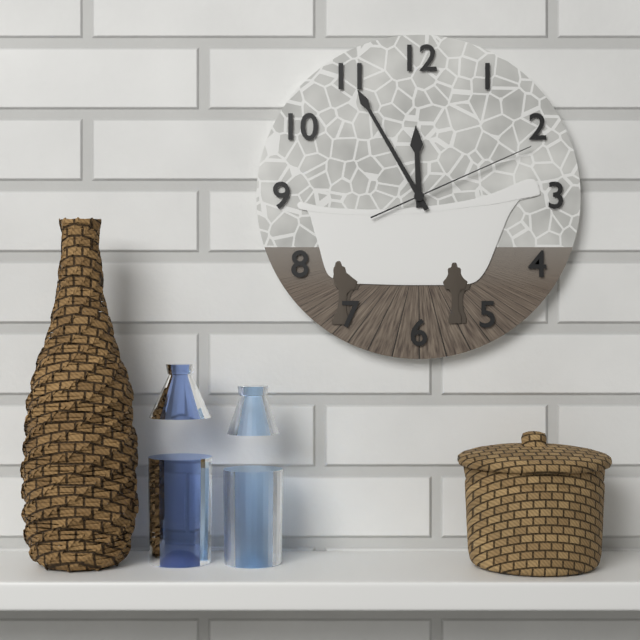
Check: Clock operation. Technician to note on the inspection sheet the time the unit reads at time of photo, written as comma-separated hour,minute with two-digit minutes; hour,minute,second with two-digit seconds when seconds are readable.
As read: 11,55,11
